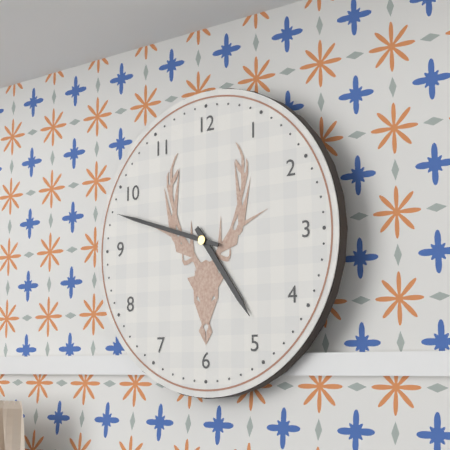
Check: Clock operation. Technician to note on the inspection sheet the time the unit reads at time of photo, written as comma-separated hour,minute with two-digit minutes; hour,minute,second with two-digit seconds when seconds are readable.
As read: 4,48
